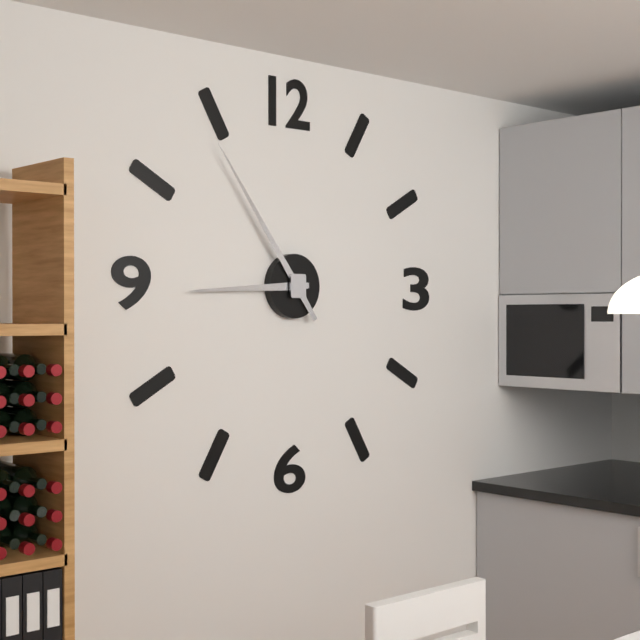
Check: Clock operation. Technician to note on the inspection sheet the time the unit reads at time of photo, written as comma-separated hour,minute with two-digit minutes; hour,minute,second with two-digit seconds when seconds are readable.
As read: 8,54
